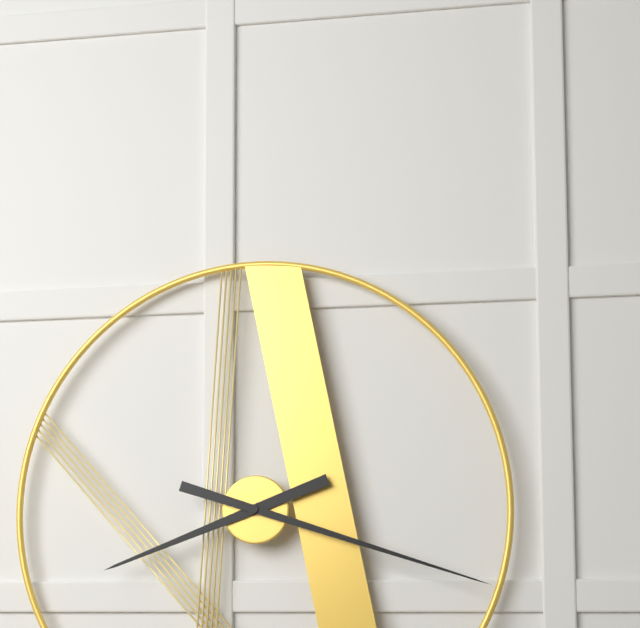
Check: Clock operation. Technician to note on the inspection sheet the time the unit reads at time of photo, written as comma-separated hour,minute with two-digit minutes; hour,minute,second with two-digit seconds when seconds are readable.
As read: 8,18
